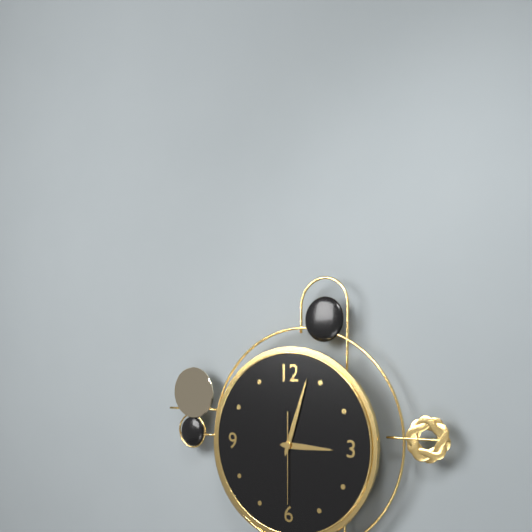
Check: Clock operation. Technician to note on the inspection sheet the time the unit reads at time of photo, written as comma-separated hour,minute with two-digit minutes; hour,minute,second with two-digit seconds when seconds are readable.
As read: 3,03,30
